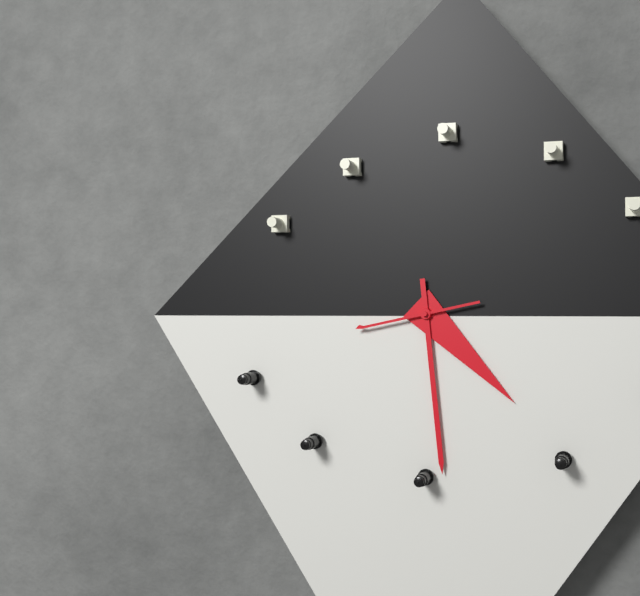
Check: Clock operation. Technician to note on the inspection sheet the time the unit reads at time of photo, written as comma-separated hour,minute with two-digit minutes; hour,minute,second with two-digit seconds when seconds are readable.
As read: 4,29,43
